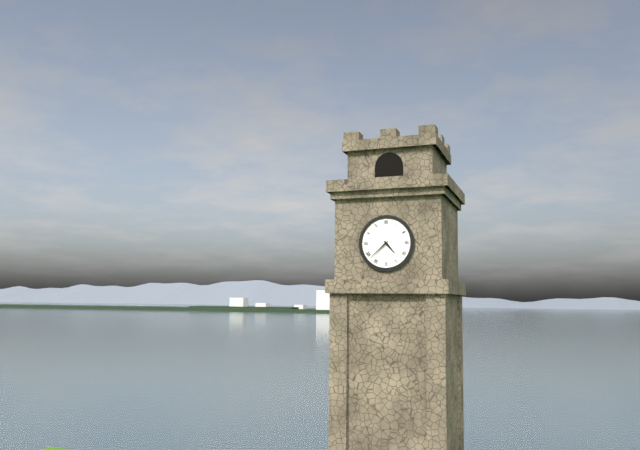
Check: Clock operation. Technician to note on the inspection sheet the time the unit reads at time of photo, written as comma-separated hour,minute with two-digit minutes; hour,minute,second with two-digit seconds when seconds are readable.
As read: 4,38
